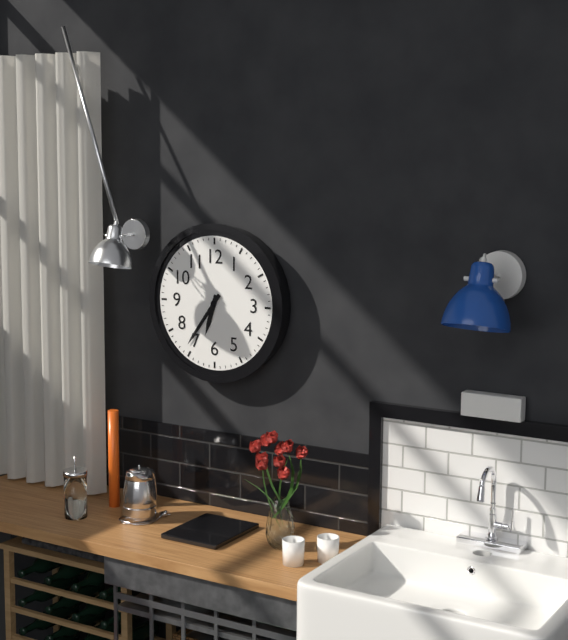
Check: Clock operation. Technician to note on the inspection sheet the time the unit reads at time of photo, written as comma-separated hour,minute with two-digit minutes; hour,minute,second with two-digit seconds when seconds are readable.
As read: 6,36
